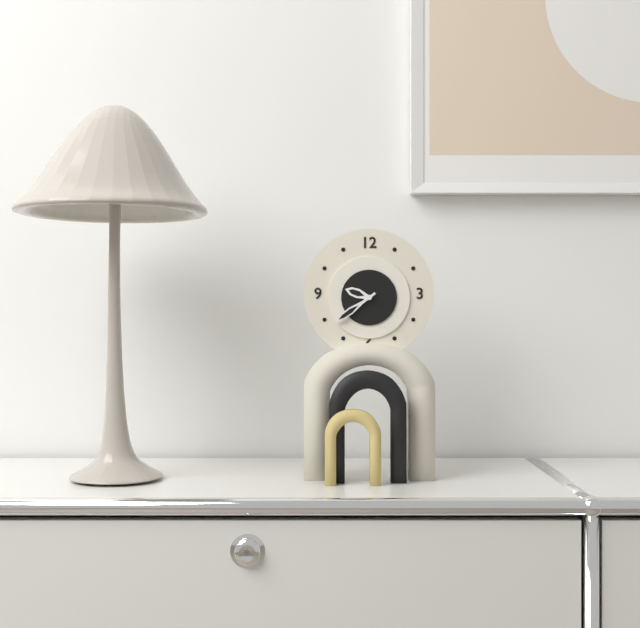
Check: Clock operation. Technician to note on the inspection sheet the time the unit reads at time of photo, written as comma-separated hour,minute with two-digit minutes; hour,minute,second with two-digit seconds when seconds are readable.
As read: 9,39
